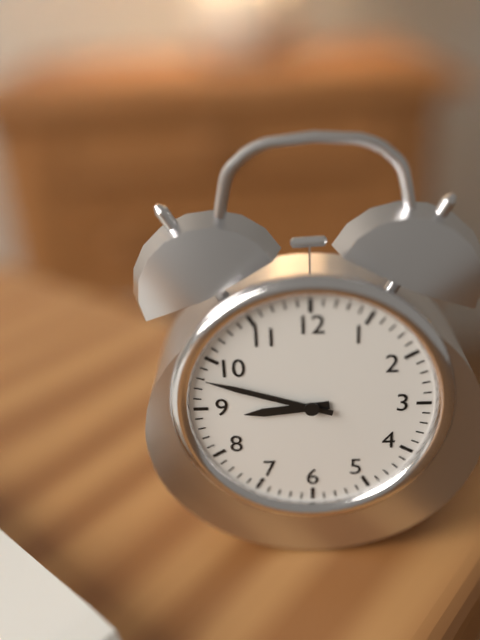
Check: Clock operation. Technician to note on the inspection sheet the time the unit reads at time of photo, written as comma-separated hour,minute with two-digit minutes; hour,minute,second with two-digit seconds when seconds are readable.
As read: 8,48
